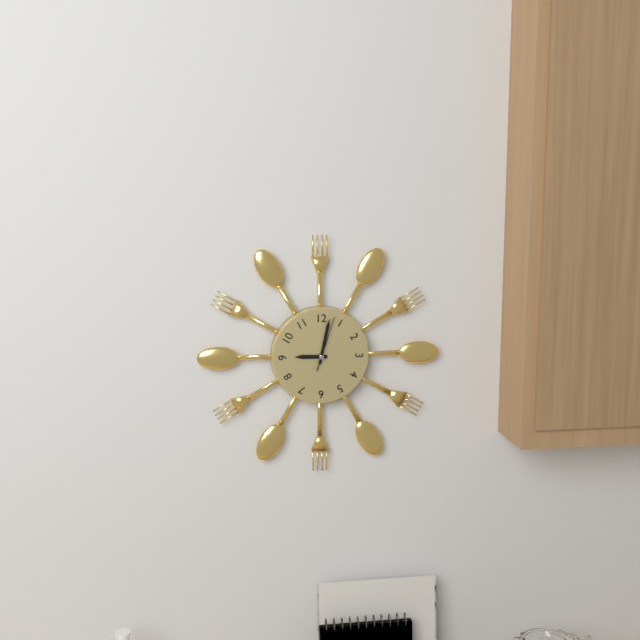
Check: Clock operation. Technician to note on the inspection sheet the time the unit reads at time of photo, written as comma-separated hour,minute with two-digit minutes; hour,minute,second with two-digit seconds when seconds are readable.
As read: 9,02,03
